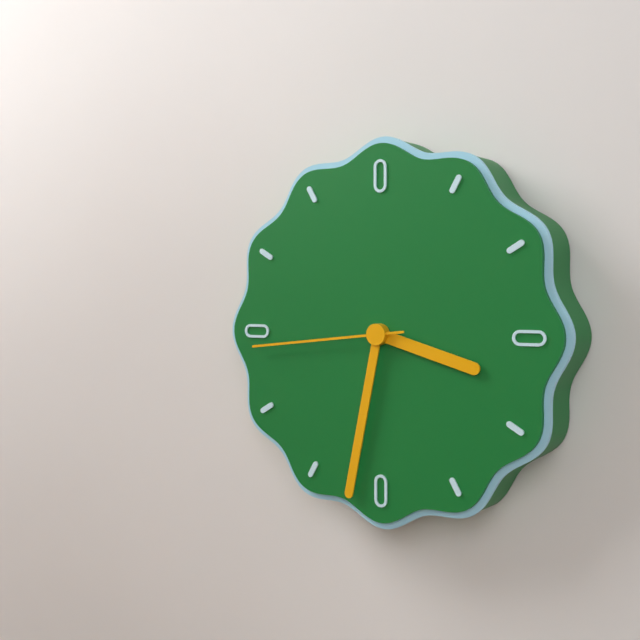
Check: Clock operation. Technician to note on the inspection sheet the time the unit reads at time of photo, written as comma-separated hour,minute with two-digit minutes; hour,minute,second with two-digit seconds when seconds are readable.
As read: 3,32,44
